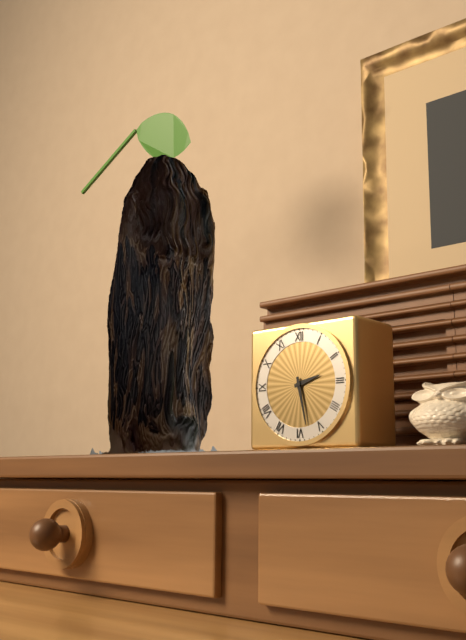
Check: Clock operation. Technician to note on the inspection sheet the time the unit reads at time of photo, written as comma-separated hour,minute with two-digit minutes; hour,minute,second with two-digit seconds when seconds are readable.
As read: 2,28
